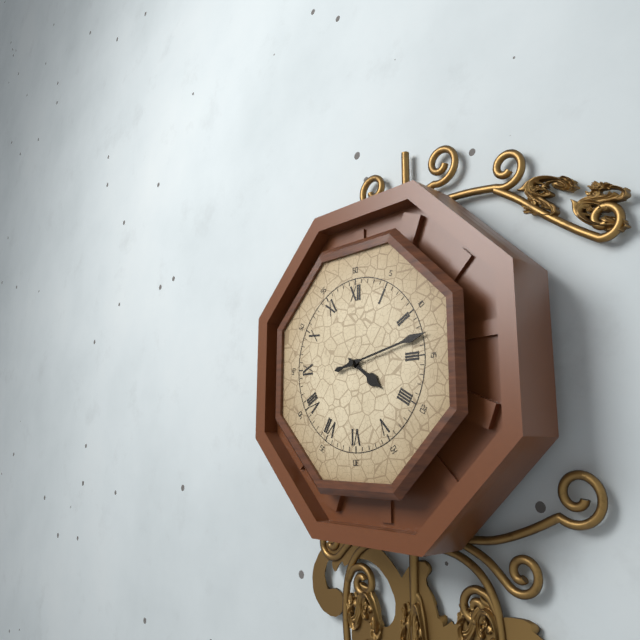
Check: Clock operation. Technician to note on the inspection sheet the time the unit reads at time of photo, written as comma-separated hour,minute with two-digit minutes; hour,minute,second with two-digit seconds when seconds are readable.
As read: 4,13
